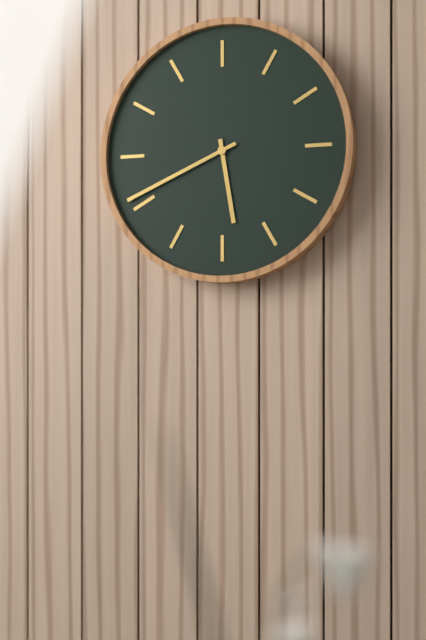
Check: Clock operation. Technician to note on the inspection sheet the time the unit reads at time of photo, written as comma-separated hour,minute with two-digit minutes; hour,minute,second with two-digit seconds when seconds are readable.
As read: 5,41
